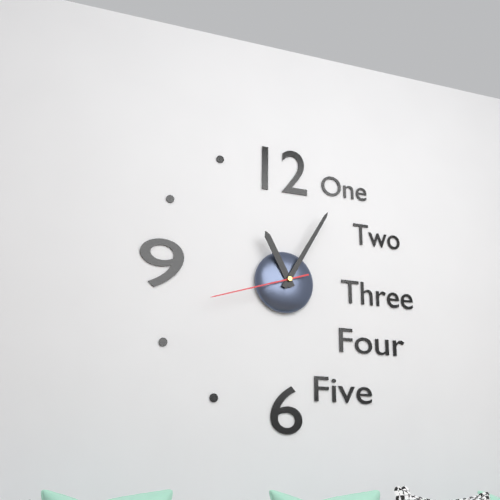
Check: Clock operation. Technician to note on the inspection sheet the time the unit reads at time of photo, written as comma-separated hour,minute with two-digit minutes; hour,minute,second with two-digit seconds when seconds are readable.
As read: 11,05,42
